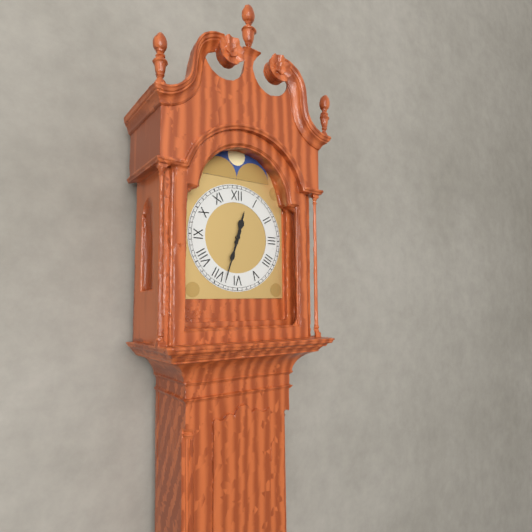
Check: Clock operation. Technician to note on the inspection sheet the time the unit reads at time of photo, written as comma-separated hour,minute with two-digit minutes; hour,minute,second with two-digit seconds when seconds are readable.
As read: 12,33
